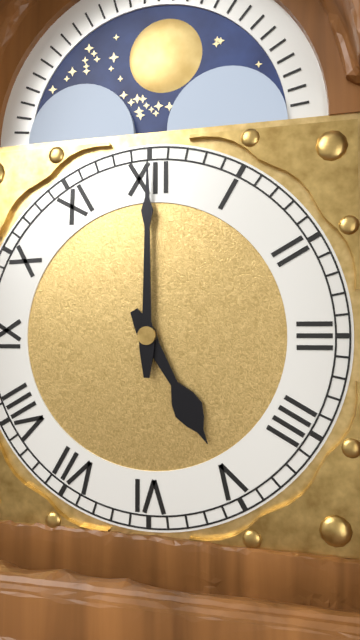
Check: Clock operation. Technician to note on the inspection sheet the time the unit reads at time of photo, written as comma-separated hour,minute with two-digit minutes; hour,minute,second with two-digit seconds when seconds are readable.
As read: 5,00
